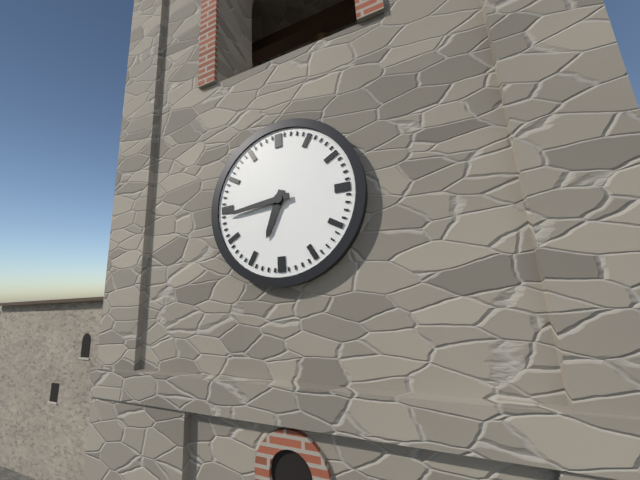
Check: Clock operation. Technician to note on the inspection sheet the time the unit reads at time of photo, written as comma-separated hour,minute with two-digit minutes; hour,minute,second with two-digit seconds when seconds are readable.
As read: 6,44
